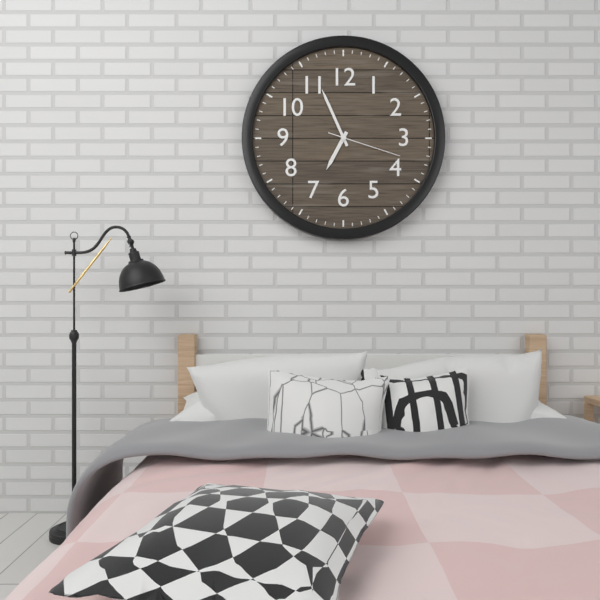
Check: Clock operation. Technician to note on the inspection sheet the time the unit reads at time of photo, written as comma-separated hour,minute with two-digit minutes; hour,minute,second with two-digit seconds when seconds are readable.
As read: 6,56,18
